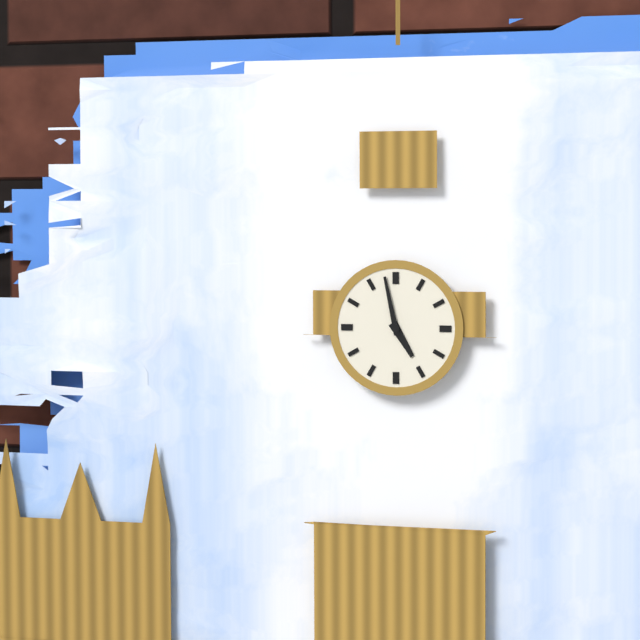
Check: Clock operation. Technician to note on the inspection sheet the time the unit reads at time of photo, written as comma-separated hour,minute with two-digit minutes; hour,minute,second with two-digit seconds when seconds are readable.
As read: 4,58
